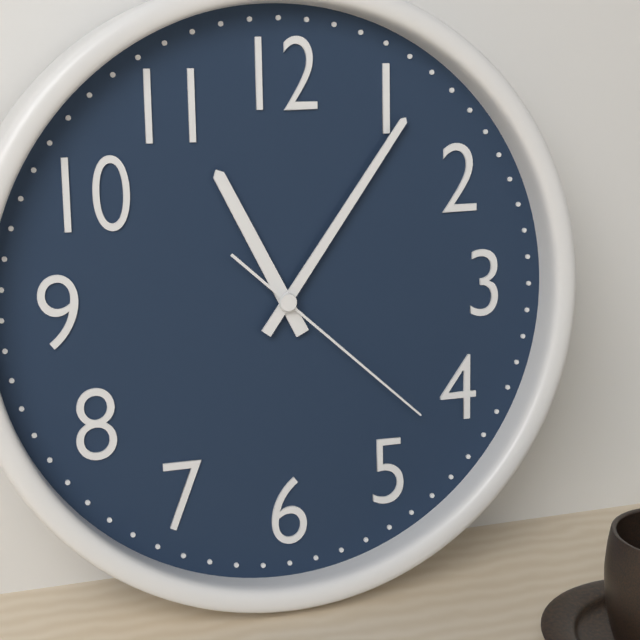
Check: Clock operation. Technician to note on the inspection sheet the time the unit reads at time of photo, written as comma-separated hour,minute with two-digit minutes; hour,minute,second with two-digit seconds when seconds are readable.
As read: 11,06,22
